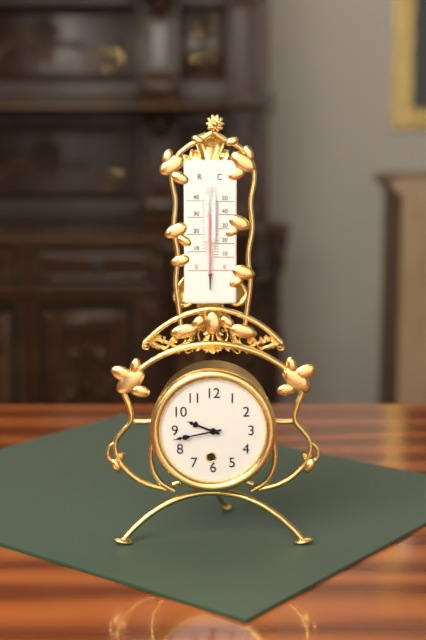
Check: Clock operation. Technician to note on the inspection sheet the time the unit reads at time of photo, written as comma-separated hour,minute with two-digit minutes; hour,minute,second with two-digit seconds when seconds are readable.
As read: 9,43
